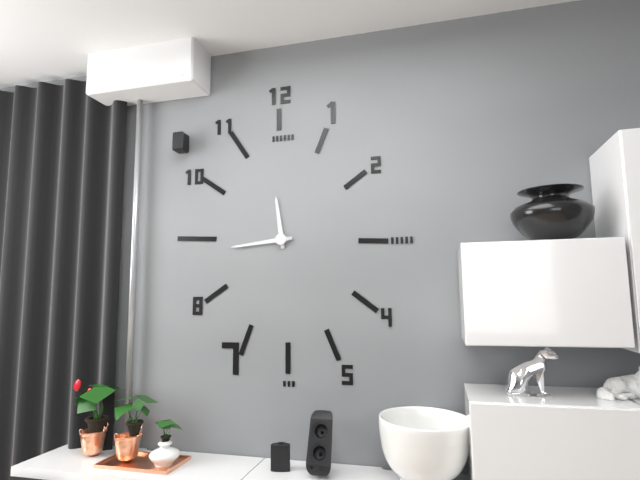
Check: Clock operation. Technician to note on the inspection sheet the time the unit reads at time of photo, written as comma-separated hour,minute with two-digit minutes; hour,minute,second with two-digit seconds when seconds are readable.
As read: 11,44
